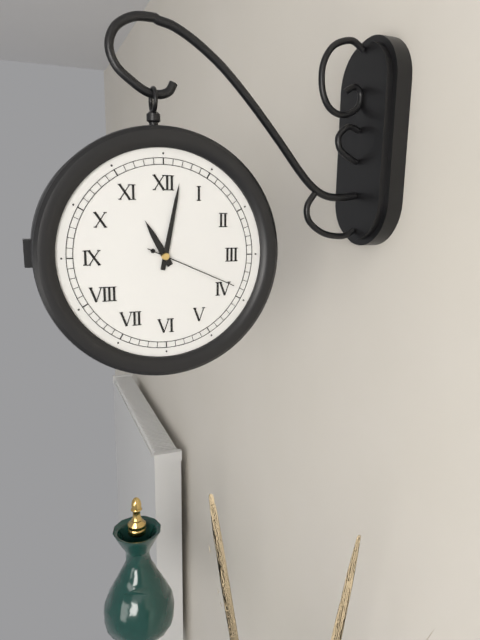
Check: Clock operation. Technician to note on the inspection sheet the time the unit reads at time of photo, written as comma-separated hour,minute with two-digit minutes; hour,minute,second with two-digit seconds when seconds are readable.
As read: 11,02,19
